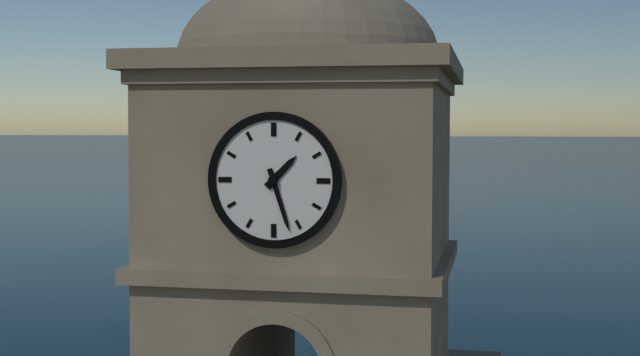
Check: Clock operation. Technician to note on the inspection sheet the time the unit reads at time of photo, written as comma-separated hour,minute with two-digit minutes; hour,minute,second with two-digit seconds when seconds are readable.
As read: 1,27
